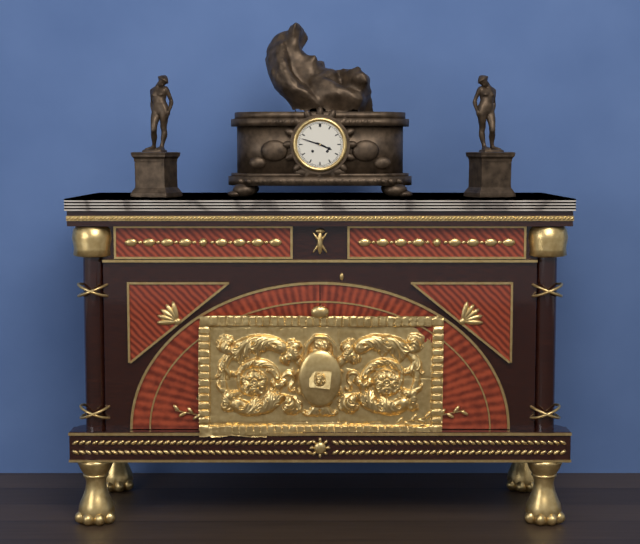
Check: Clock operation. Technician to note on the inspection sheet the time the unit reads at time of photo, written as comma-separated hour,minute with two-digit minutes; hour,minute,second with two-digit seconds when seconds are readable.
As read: 3,48
